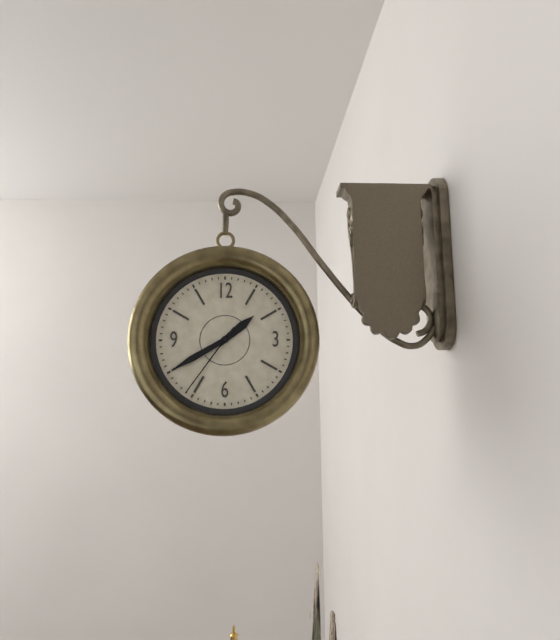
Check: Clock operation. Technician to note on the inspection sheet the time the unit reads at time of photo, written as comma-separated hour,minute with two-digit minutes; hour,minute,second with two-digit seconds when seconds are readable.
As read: 1,40,36
